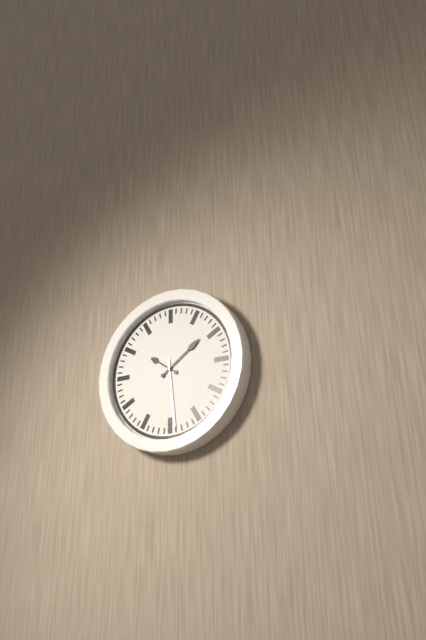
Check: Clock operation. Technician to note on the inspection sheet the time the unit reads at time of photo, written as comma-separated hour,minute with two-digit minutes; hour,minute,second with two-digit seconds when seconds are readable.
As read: 10,09,29
